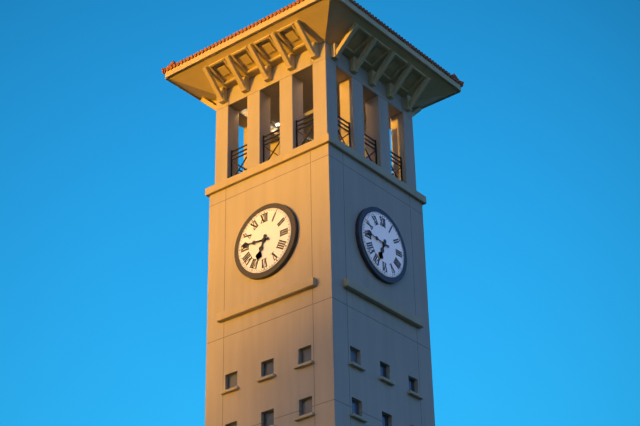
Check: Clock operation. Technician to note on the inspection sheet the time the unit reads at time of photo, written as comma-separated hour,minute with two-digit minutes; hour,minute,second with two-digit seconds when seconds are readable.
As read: 6,46
